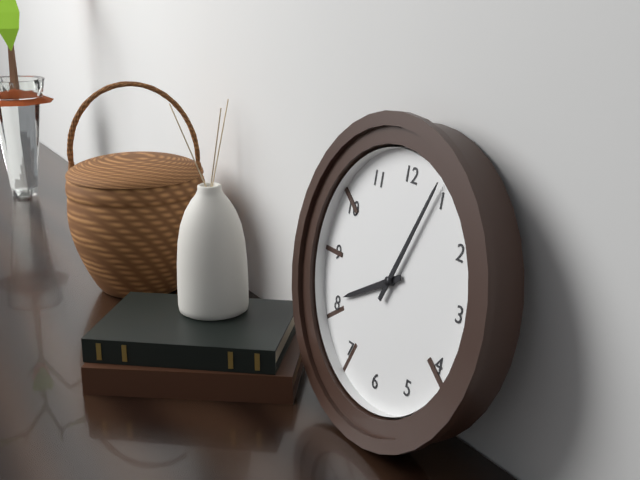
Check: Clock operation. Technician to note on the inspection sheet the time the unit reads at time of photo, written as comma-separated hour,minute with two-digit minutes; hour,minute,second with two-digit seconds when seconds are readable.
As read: 8,04
